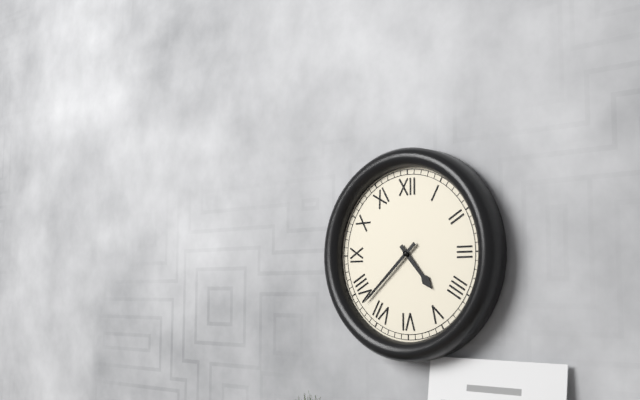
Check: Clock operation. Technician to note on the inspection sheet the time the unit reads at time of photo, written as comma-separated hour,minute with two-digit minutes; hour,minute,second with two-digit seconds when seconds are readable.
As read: 4,38
